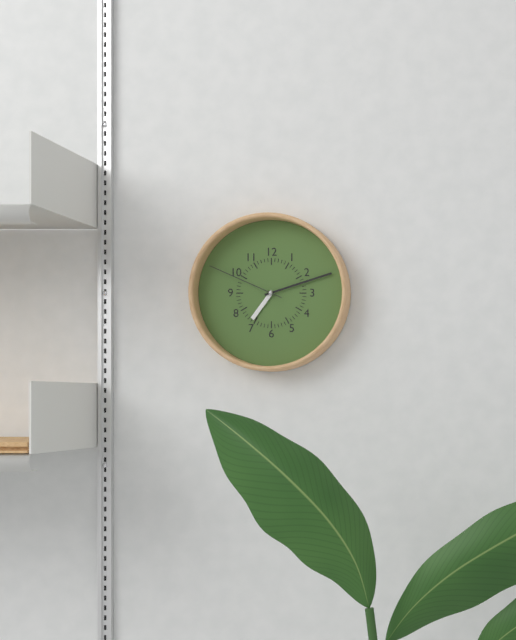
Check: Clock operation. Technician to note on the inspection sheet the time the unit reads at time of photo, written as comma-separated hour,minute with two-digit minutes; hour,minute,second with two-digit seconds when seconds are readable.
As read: 7,12,49
